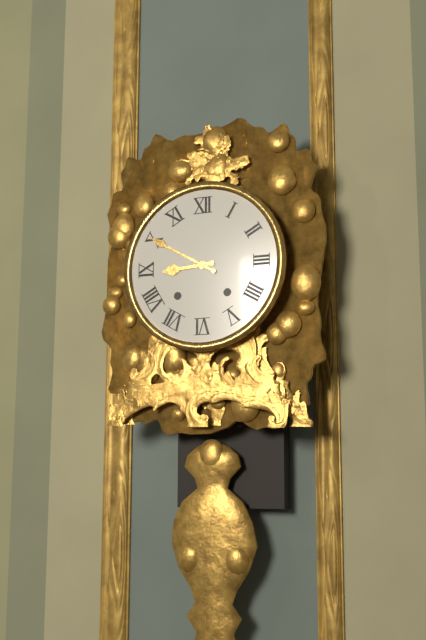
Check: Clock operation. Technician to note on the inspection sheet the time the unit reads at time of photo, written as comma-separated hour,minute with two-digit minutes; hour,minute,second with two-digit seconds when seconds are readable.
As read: 8,50
